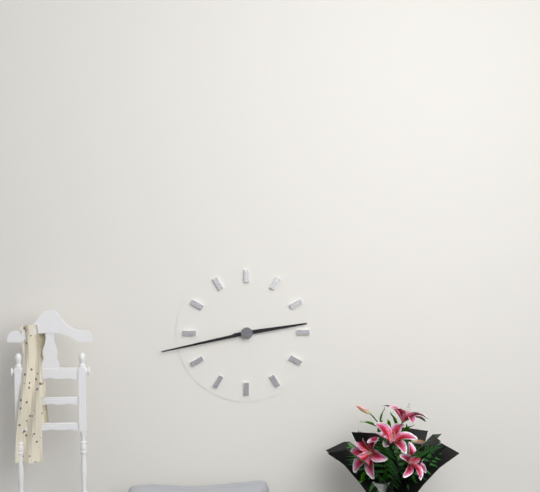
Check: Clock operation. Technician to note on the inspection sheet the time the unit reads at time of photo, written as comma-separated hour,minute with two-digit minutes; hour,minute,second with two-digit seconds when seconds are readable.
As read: 2,43
